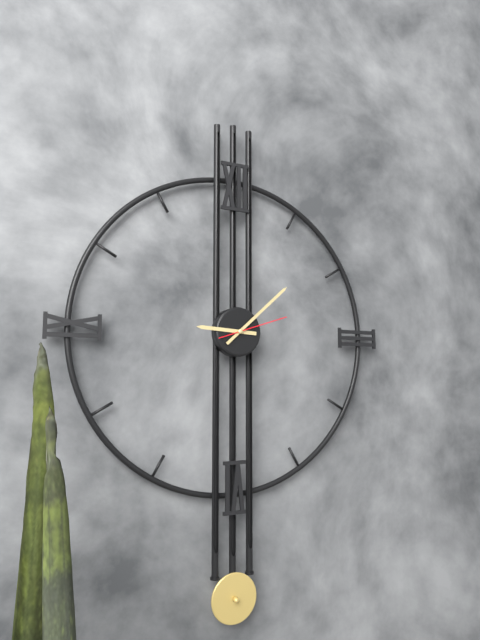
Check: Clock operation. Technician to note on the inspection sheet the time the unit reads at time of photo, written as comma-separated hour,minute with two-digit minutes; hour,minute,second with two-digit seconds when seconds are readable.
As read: 9,08,12
